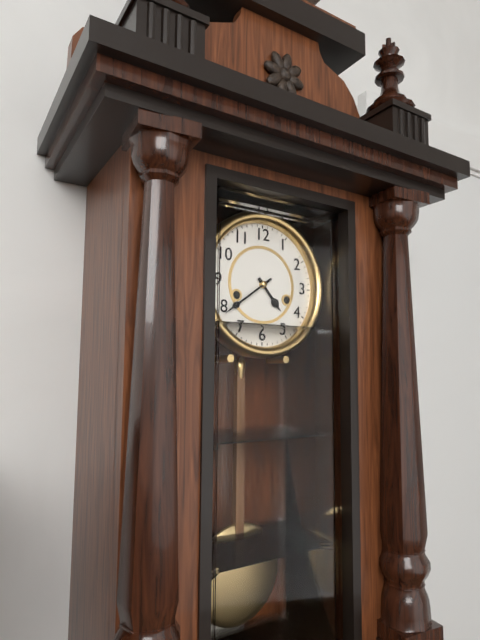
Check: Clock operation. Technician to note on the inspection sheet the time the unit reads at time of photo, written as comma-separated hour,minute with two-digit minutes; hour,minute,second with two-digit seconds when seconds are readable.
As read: 4,39
